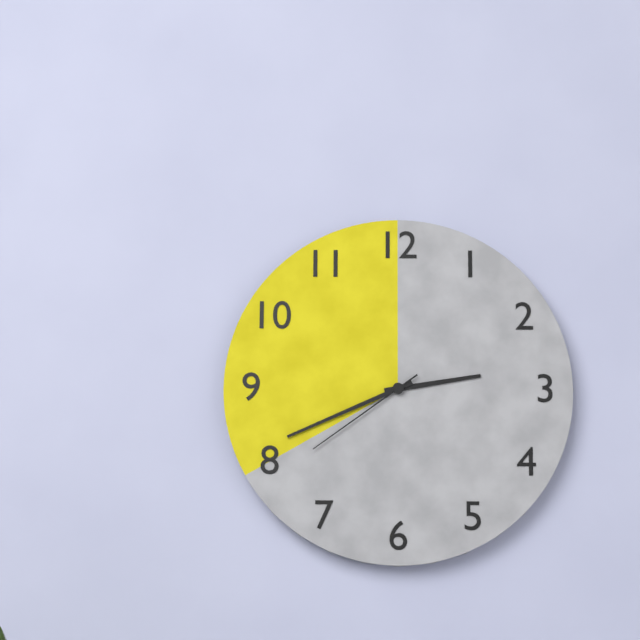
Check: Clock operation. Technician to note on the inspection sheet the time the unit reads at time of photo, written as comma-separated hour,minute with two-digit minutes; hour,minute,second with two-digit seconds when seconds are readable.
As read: 2,41,39
